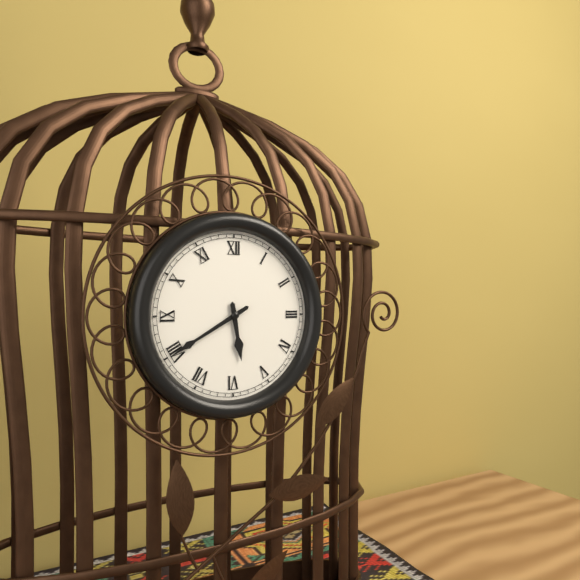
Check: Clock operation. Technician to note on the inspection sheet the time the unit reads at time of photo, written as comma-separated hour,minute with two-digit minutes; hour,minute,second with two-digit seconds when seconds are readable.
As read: 5,40
